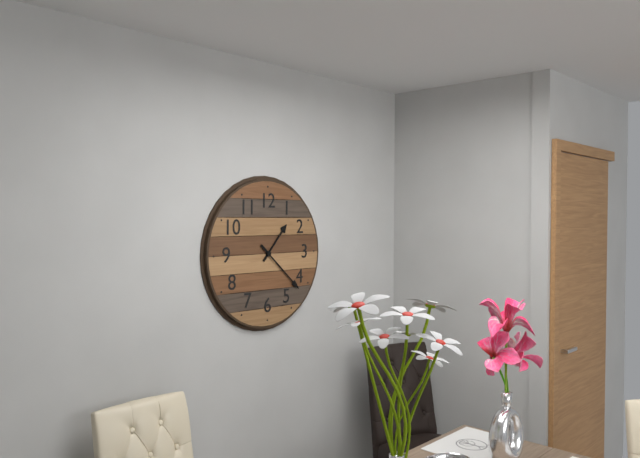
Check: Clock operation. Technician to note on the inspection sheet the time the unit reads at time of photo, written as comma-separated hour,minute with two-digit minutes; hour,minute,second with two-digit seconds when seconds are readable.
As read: 1,22
